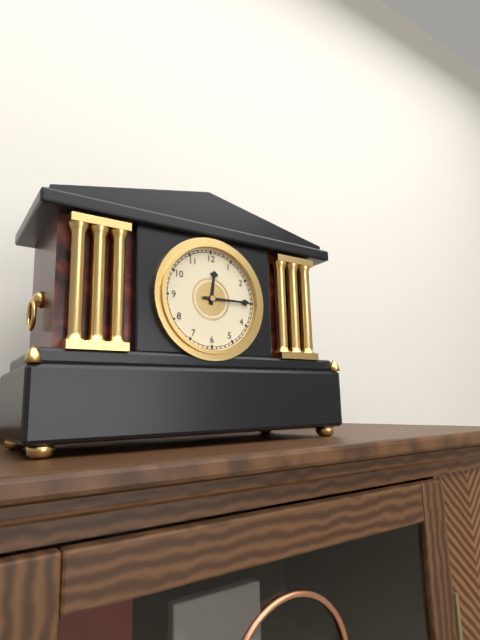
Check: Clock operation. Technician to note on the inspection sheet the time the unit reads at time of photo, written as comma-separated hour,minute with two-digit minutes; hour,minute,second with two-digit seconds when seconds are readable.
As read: 12,15
